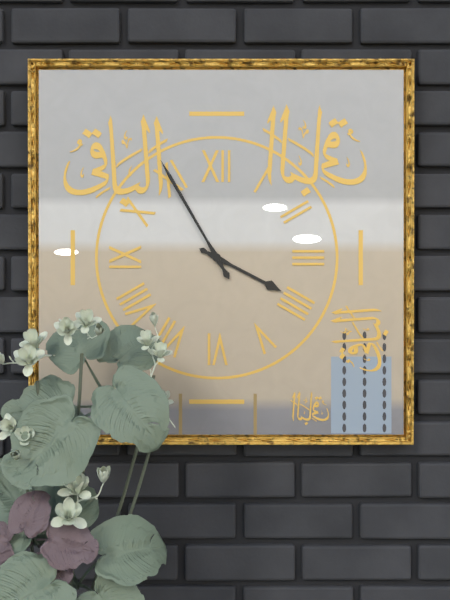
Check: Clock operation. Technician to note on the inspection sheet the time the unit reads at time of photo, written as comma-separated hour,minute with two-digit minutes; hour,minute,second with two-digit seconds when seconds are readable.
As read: 3,55
